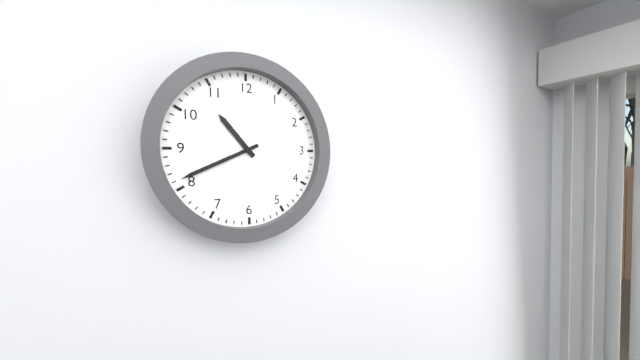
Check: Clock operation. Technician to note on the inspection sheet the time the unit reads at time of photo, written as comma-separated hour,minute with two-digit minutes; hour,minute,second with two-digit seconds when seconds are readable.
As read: 10,41
